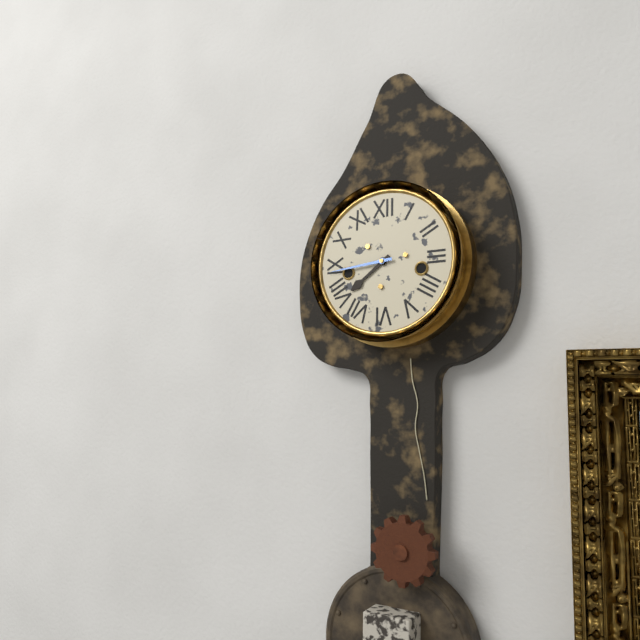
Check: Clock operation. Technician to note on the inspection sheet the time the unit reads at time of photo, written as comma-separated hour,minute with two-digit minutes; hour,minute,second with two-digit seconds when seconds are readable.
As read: 7,44
